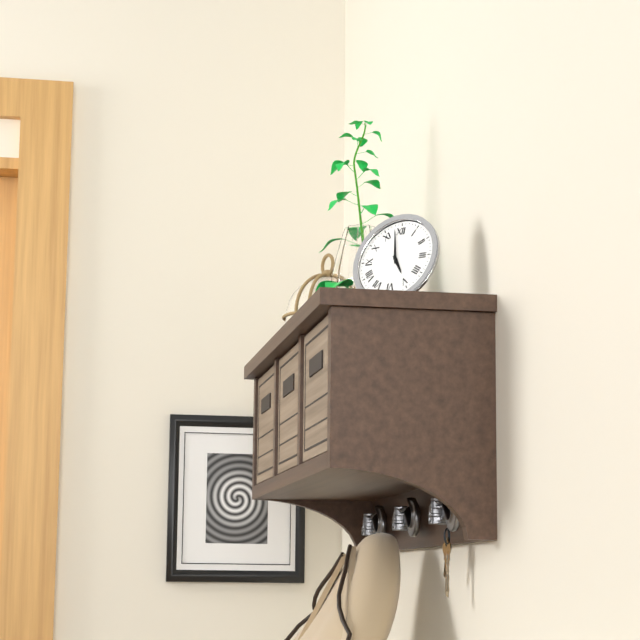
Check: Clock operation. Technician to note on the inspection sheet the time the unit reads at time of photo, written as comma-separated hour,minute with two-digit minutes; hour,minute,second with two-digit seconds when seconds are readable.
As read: 4,58
